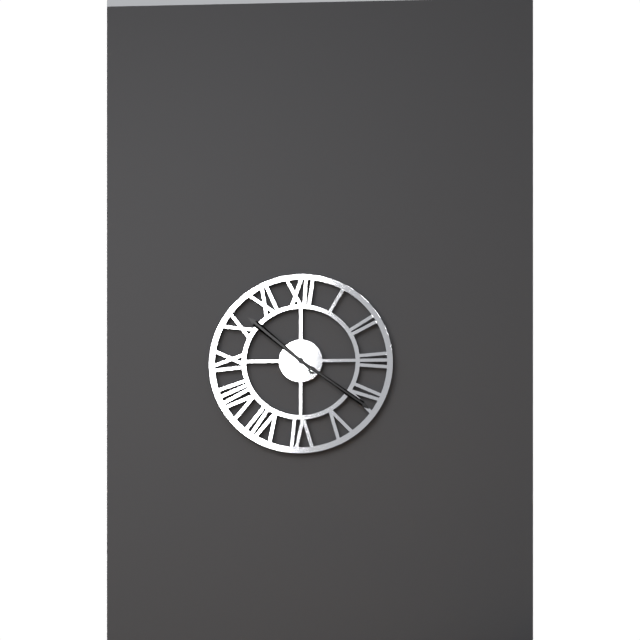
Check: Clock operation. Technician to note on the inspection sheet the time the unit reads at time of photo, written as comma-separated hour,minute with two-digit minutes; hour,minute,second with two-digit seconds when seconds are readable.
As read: 10,21
